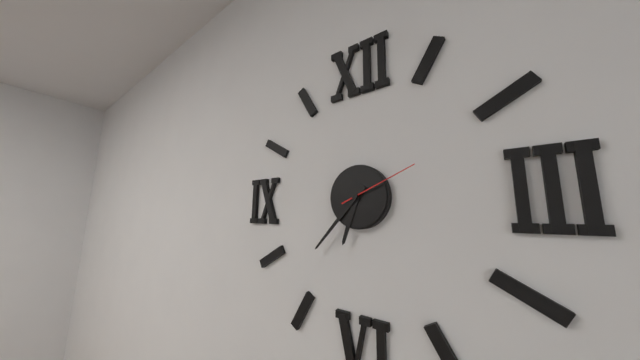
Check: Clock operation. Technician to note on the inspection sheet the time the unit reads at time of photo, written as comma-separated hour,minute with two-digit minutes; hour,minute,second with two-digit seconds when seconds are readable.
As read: 6,37,11
